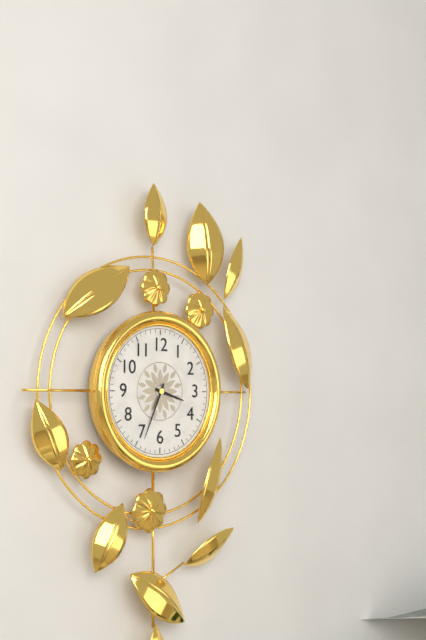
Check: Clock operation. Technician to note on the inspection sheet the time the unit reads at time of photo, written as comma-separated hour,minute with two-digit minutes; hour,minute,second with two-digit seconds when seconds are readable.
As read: 3,34
